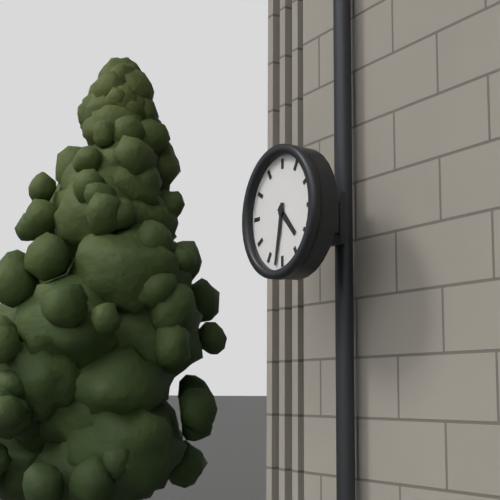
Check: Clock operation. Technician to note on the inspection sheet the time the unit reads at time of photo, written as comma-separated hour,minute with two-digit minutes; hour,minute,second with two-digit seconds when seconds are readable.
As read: 4,32
